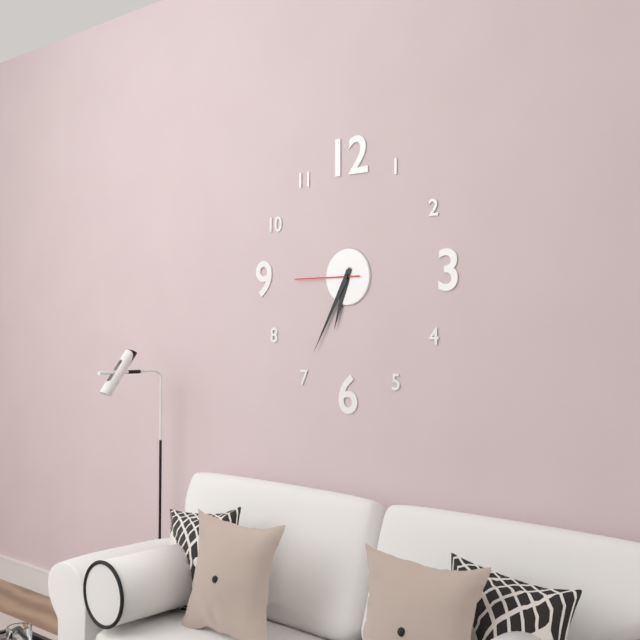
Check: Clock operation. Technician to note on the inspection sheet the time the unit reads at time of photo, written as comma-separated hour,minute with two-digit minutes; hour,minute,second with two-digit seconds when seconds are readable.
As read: 6,35,45
